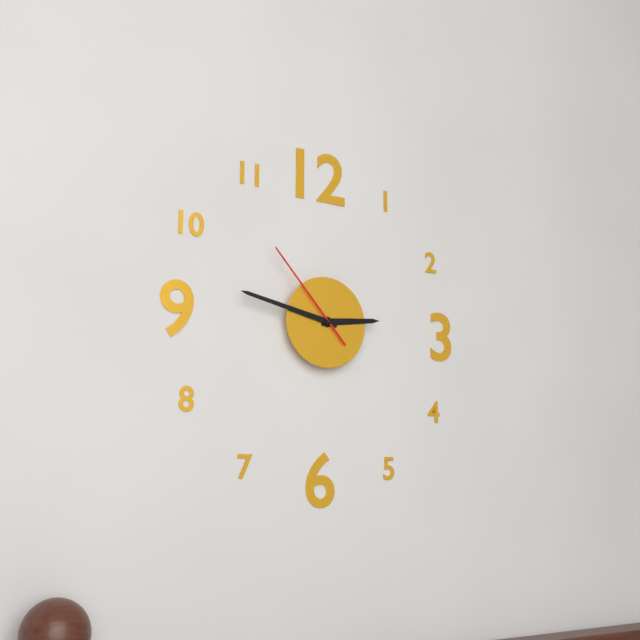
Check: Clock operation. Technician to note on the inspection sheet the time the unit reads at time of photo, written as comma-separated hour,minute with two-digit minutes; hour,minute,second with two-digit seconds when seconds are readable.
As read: 2,47,53
